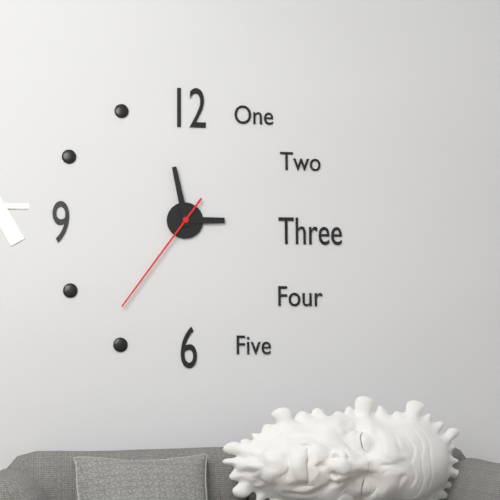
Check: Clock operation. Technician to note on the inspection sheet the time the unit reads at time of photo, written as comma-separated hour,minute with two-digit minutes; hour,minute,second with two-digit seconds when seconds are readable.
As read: 2,58,36
